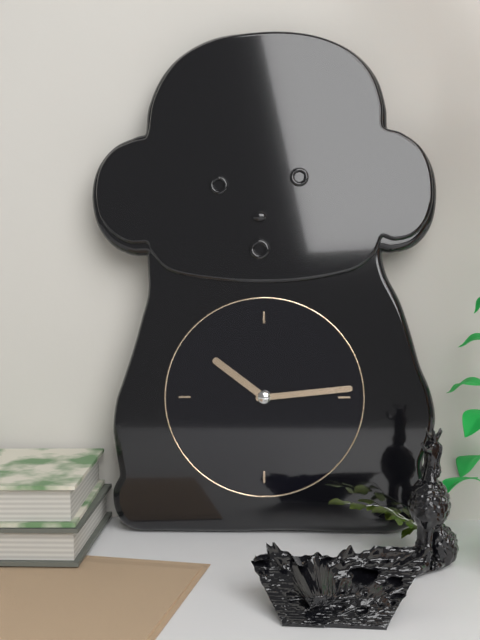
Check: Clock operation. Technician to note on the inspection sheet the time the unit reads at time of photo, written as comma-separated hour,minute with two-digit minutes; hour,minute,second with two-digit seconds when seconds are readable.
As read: 10,14
